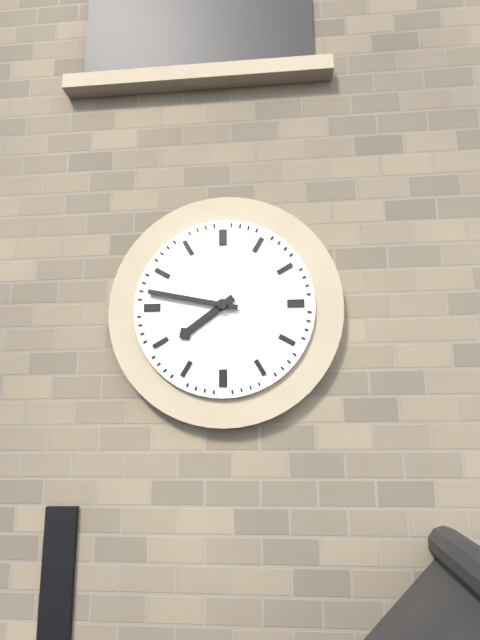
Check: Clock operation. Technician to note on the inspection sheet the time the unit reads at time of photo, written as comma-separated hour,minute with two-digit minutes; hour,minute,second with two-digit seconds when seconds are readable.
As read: 7,47
